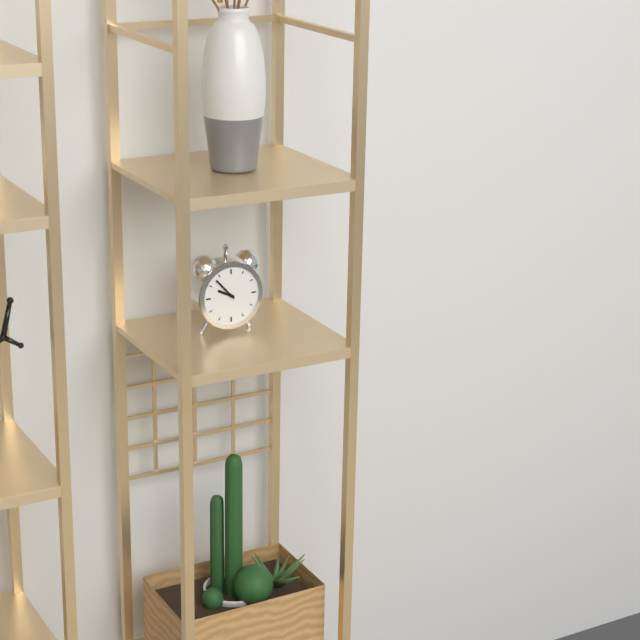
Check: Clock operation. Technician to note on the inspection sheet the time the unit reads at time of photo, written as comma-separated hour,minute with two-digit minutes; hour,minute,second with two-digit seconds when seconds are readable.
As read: 9,53
